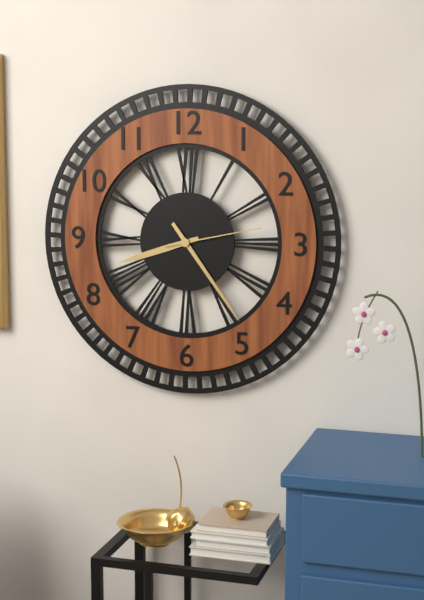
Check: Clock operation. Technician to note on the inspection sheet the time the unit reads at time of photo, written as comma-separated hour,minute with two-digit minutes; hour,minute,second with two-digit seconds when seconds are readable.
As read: 8,24,13
